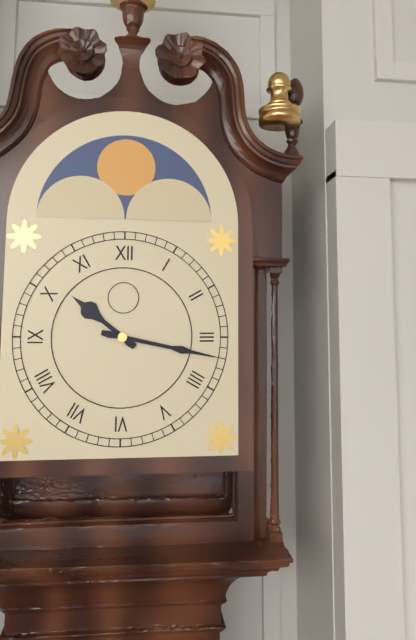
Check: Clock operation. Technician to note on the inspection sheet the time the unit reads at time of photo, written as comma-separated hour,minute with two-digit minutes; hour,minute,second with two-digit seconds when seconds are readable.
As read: 10,17
